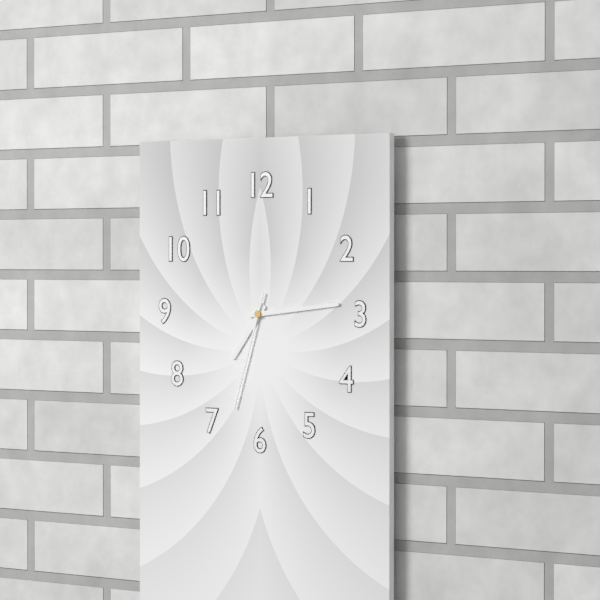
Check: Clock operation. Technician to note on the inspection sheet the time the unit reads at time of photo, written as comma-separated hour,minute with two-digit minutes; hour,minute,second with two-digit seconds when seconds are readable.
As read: 7,14,33
